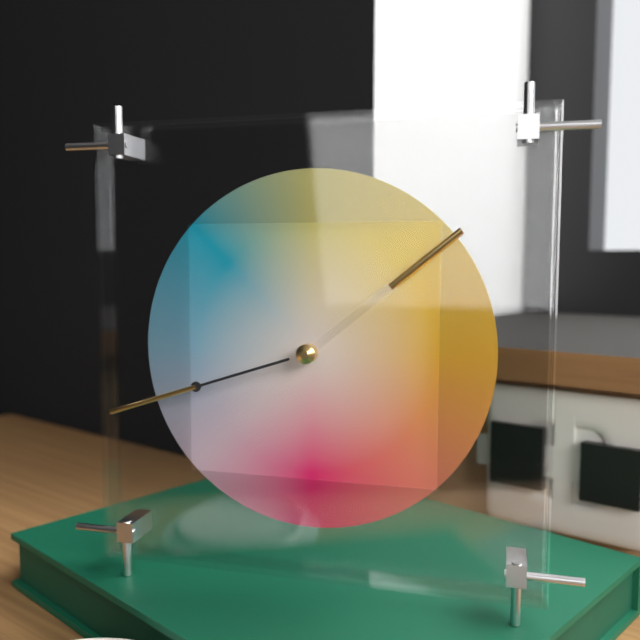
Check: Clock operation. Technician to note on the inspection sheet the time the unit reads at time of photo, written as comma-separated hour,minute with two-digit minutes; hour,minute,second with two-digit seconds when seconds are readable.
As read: 1,42
